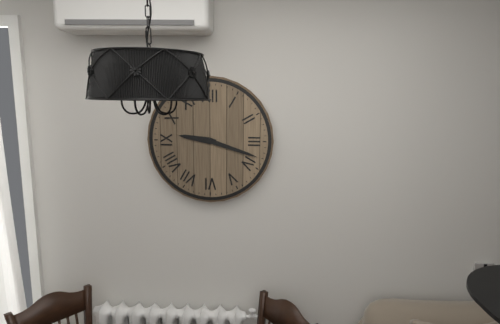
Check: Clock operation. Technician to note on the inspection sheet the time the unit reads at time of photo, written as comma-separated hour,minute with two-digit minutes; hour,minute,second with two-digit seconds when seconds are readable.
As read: 9,18
